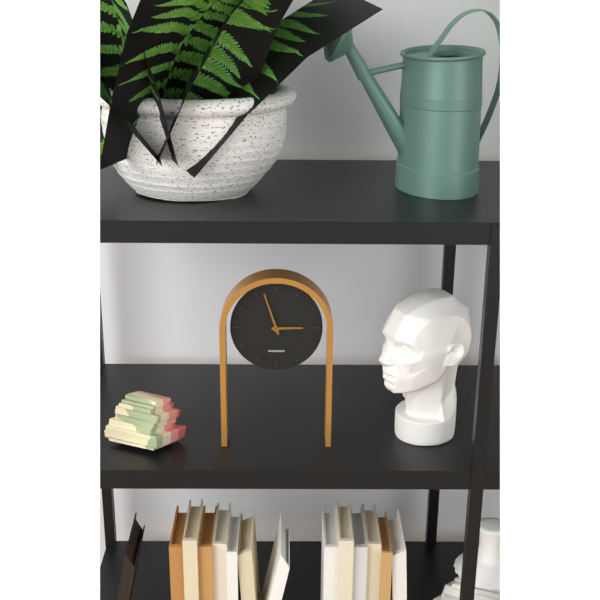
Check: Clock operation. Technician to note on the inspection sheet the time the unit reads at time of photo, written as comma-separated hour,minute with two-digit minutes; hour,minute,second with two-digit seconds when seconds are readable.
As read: 2,57
